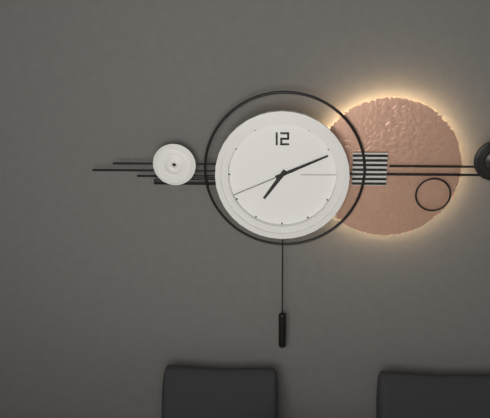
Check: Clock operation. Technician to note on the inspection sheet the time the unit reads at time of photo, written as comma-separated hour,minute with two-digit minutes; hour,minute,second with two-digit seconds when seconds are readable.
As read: 7,11,41
